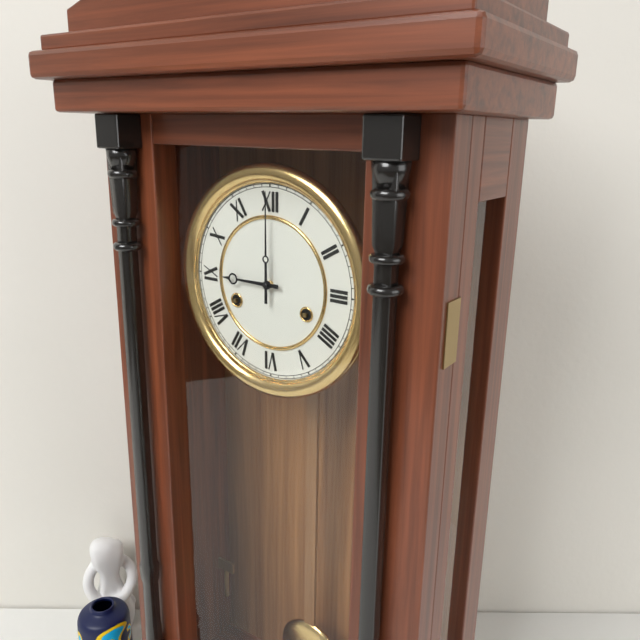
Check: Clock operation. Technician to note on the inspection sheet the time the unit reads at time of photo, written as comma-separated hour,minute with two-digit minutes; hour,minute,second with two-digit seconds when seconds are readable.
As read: 9,00
